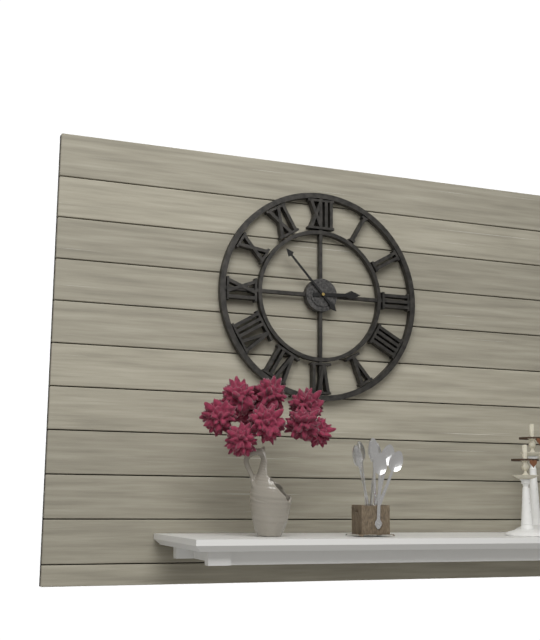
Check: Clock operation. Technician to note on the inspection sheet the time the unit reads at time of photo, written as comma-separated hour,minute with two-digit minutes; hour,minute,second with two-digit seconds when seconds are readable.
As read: 2,53
